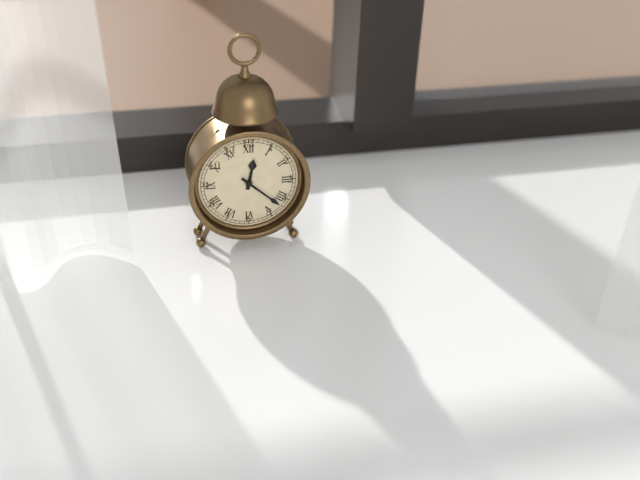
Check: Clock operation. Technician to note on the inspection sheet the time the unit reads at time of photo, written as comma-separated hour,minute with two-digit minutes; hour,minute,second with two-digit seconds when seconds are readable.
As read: 12,22
